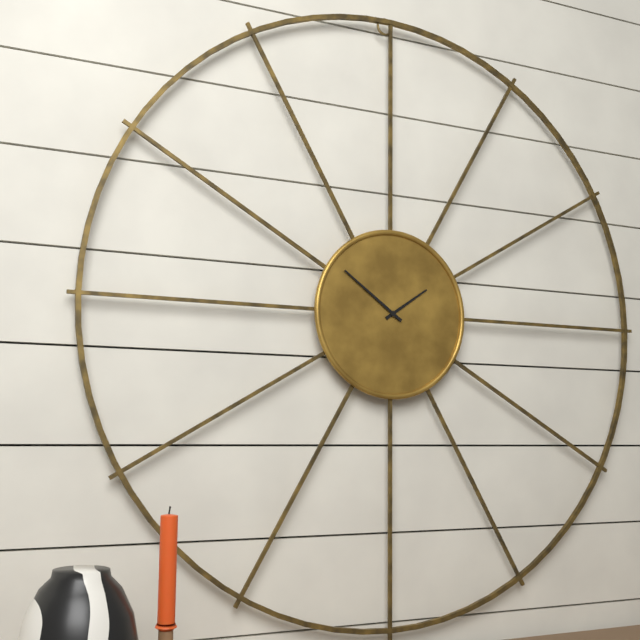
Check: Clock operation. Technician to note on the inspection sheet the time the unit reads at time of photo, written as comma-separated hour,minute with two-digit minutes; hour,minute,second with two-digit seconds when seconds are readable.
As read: 1,51
